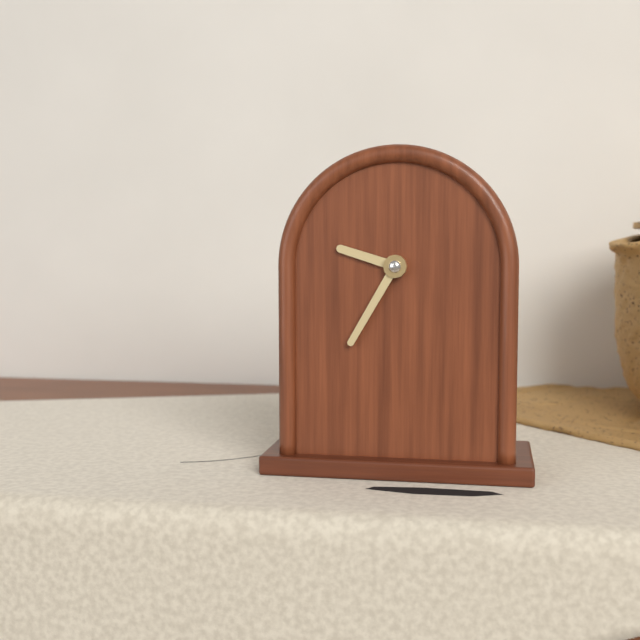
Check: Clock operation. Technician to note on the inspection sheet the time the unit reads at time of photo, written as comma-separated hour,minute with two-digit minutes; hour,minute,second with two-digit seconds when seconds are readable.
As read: 9,35
